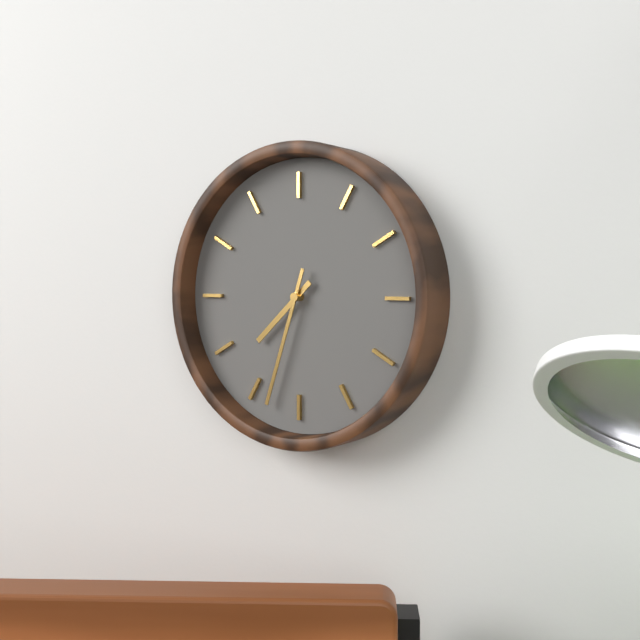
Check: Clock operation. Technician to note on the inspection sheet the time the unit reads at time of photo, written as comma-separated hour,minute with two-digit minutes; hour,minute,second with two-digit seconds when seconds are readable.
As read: 7,33
